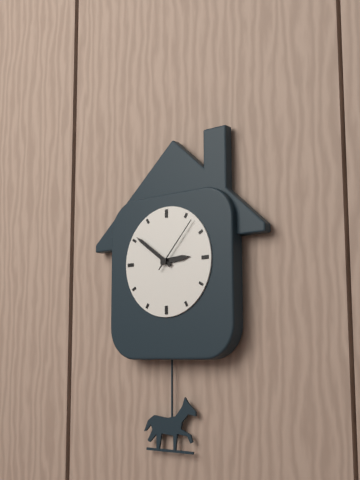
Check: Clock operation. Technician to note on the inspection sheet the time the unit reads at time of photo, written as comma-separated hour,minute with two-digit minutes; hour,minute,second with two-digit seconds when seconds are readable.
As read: 2,51,07
